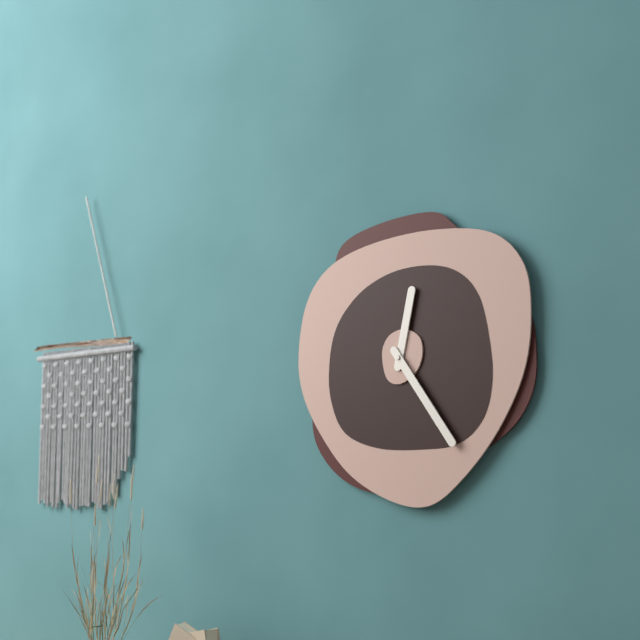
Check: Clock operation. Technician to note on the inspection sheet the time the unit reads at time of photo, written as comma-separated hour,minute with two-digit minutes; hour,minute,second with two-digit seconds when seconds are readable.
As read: 12,24
